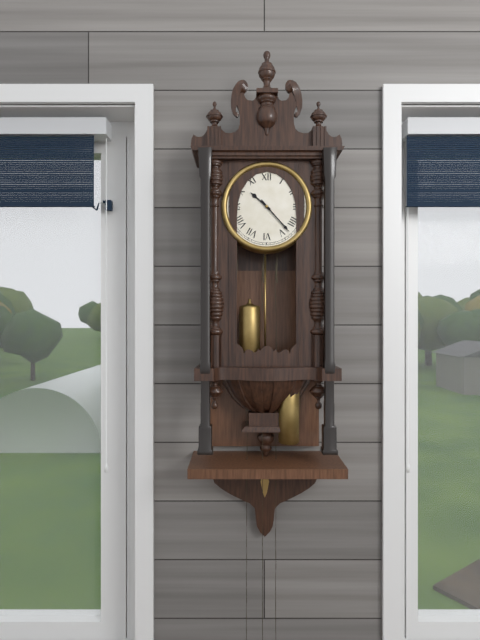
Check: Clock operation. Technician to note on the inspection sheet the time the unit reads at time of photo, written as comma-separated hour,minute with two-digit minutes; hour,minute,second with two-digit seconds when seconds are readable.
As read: 10,23
